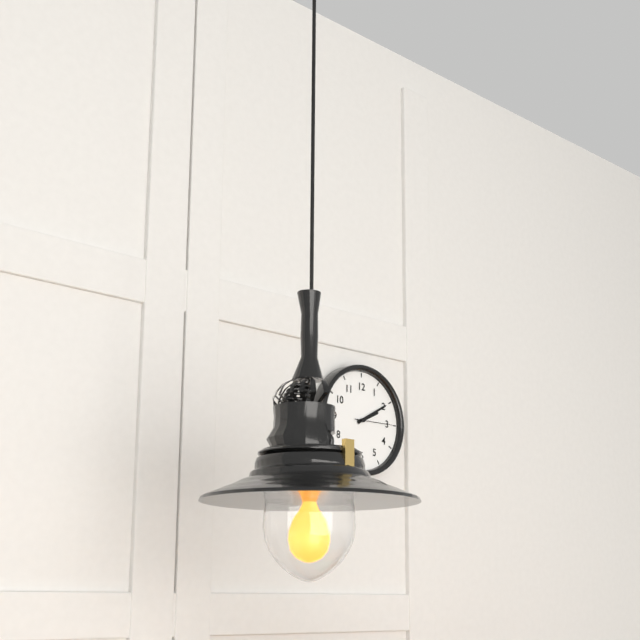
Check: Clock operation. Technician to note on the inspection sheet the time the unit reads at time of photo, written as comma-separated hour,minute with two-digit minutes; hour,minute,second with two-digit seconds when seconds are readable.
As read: 2,10
